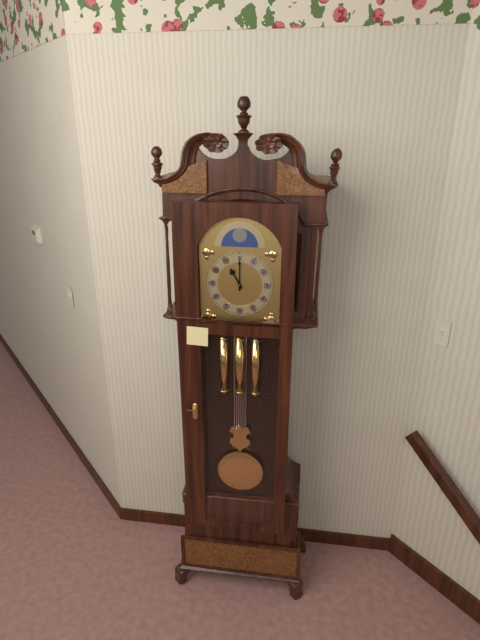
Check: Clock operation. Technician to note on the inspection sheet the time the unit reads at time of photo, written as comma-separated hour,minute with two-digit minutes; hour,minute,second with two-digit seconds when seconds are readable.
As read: 11,00
